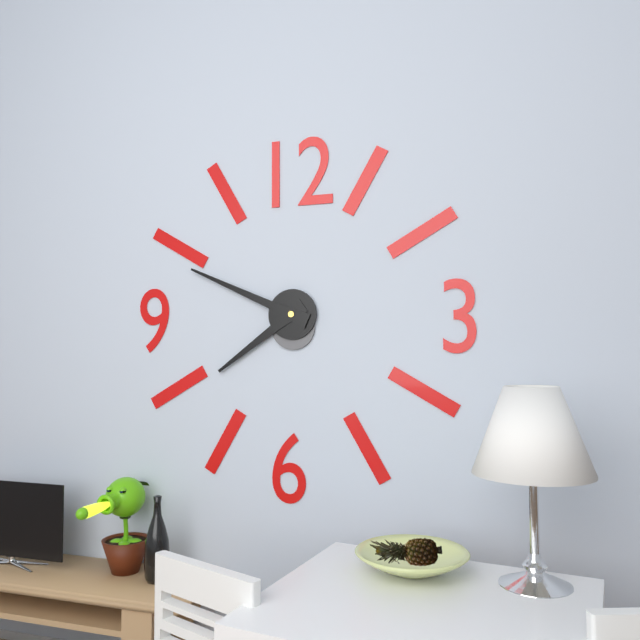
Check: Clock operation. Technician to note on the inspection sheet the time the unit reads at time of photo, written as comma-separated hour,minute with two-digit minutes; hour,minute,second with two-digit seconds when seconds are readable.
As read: 7,49
